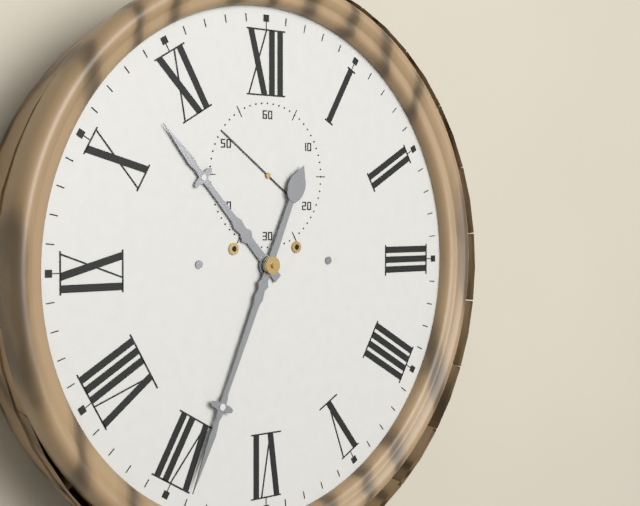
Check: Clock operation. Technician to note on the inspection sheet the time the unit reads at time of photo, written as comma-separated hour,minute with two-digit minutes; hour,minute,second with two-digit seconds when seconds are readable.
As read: 10,34,51
